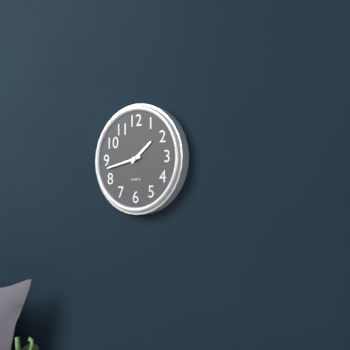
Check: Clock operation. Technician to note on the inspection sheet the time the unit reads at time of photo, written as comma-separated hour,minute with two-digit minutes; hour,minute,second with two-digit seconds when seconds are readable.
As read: 1,43
